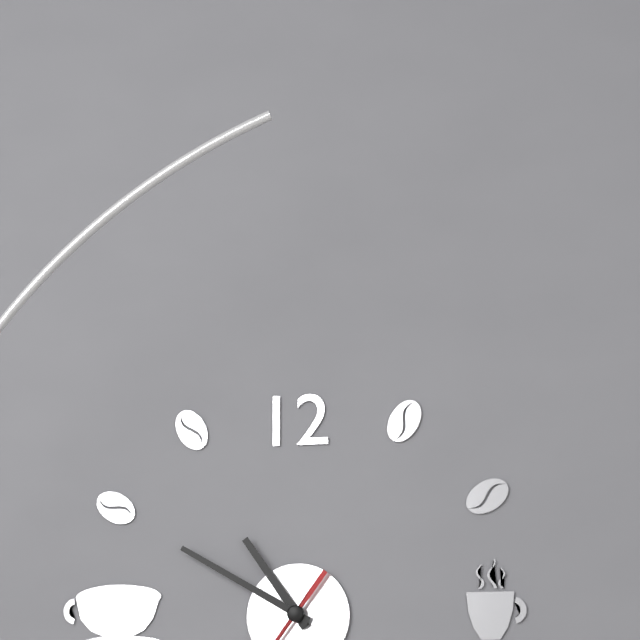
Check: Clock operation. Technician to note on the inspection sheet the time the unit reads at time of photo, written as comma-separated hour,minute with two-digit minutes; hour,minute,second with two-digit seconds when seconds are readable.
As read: 10,50
